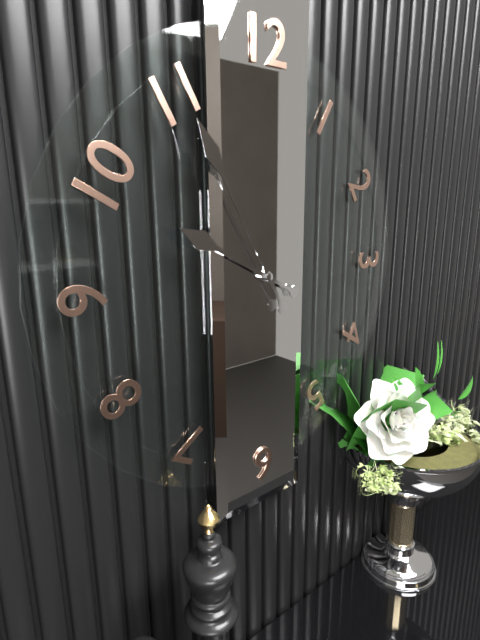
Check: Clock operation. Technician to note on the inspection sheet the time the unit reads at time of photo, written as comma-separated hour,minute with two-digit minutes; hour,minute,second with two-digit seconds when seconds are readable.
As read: 9,55
